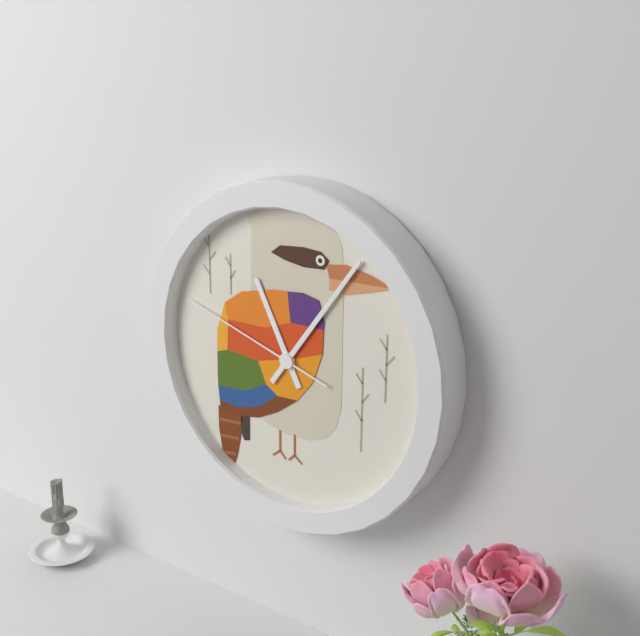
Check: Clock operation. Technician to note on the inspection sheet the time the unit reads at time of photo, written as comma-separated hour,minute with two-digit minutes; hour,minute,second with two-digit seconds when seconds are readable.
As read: 11,06,48
